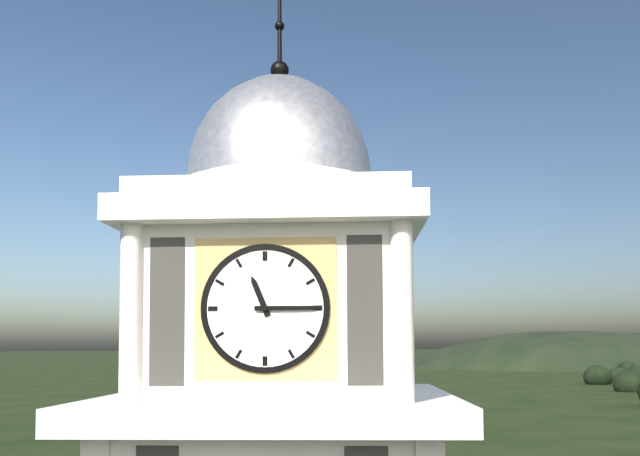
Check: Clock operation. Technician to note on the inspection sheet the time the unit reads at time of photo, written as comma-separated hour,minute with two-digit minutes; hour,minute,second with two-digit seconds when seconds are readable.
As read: 11,15
